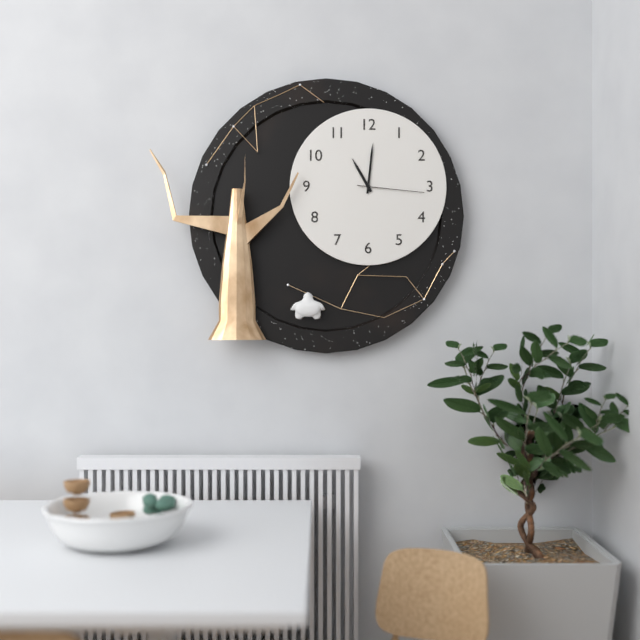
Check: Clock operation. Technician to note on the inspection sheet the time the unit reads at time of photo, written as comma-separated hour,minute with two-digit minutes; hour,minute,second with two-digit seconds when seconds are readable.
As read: 11,01,16
